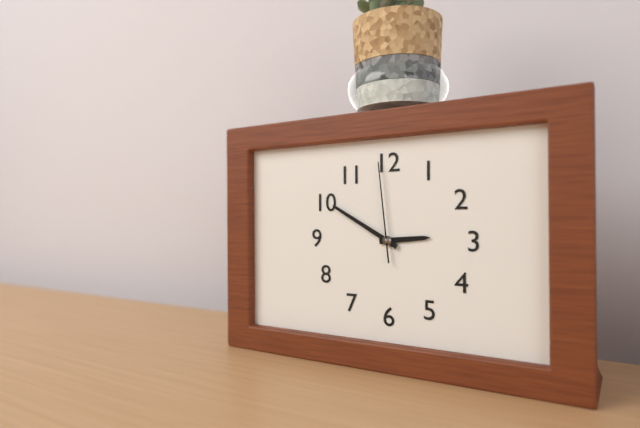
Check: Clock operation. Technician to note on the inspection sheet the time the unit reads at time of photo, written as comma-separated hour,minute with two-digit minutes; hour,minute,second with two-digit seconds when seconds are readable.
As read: 2,50,59
